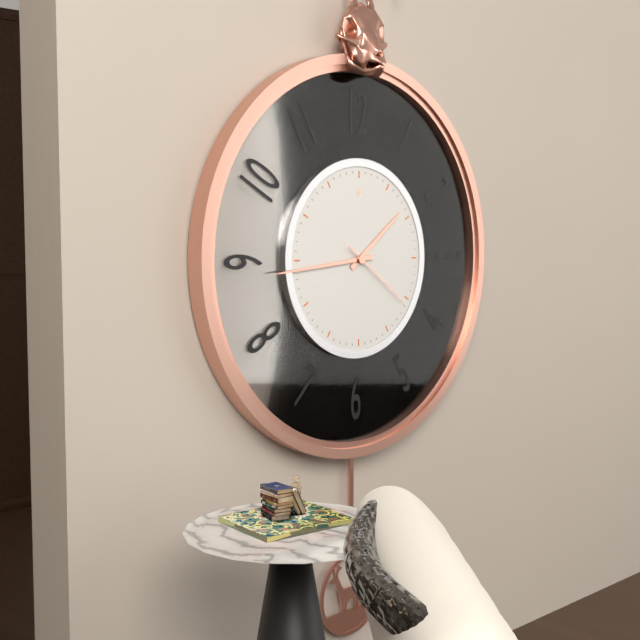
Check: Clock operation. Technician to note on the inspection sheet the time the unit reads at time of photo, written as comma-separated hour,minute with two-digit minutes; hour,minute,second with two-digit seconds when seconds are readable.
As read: 1,44,21
